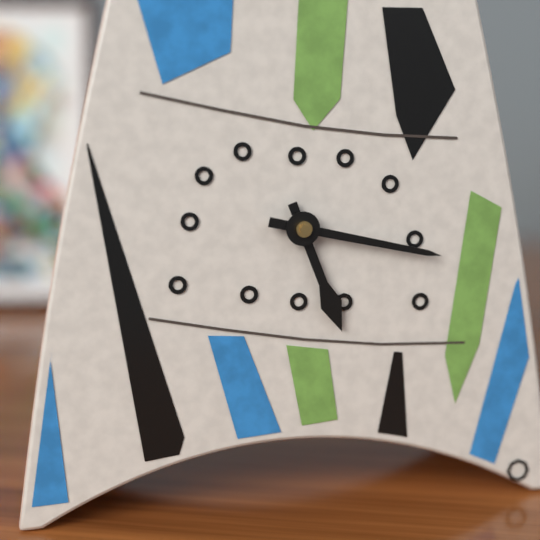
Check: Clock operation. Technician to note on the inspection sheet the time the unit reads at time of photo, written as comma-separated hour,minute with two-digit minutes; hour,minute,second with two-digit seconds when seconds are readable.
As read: 5,17
